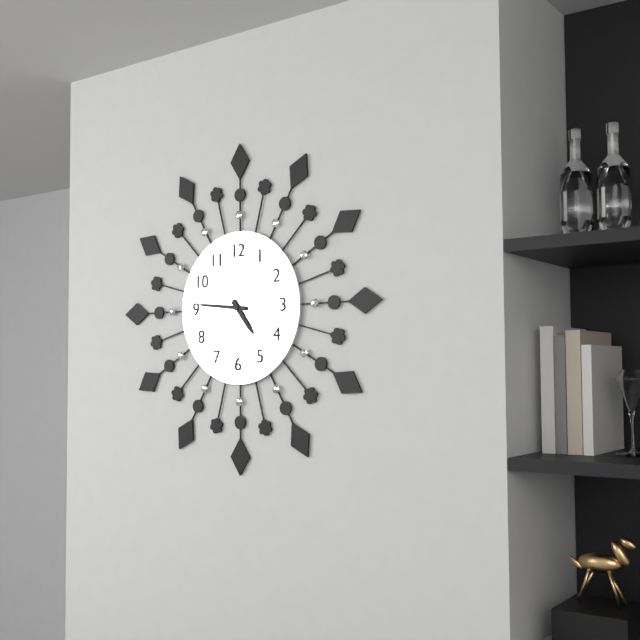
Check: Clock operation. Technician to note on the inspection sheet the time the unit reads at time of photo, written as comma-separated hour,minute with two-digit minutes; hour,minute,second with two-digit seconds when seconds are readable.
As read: 4,46
